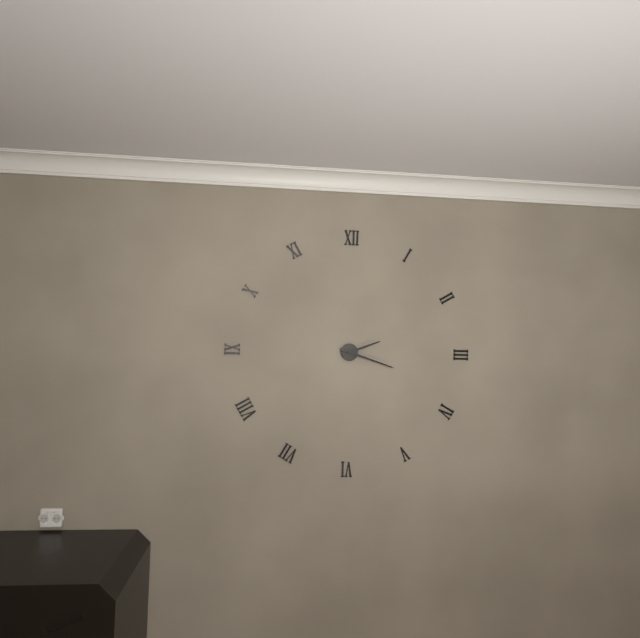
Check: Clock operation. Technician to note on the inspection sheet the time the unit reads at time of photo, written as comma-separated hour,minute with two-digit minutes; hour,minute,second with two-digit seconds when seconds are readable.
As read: 2,18
